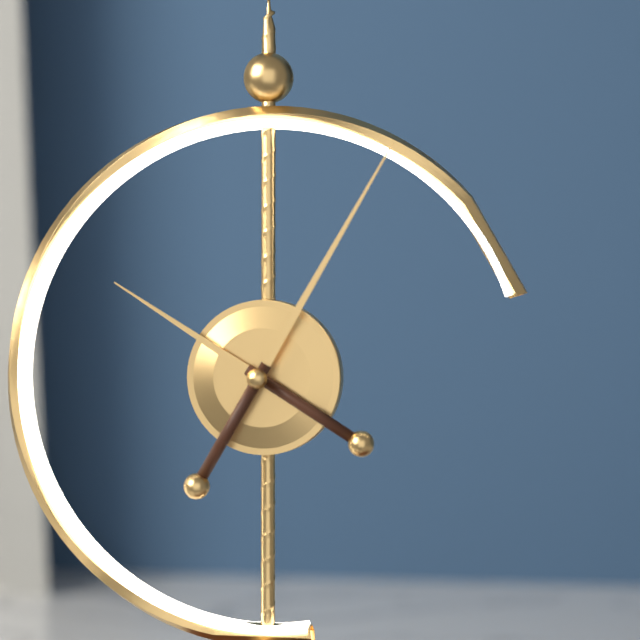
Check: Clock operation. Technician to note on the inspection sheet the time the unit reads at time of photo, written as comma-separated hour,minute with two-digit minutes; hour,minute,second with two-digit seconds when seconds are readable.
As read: 10,05
